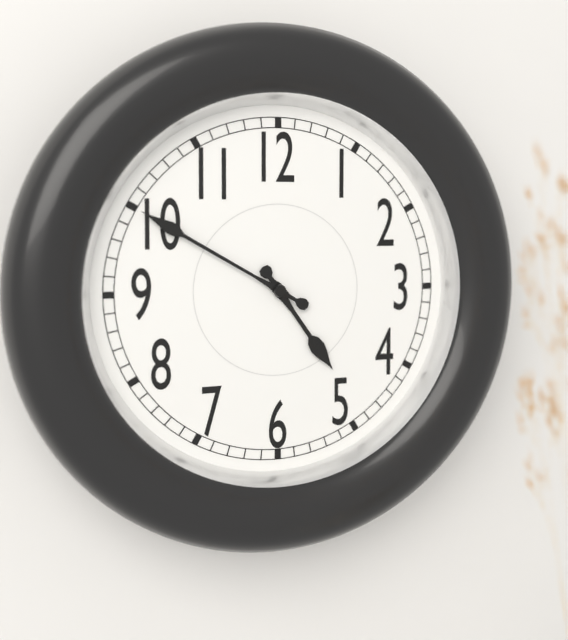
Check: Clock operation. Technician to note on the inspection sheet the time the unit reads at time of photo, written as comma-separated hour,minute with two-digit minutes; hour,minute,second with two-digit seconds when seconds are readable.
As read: 4,50
